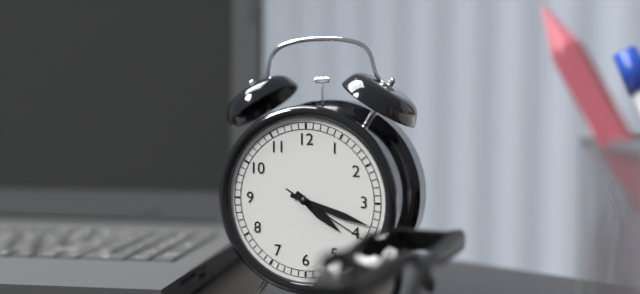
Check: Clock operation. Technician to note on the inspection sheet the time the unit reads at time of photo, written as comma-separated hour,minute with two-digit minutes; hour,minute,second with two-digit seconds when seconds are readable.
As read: 4,18,20
